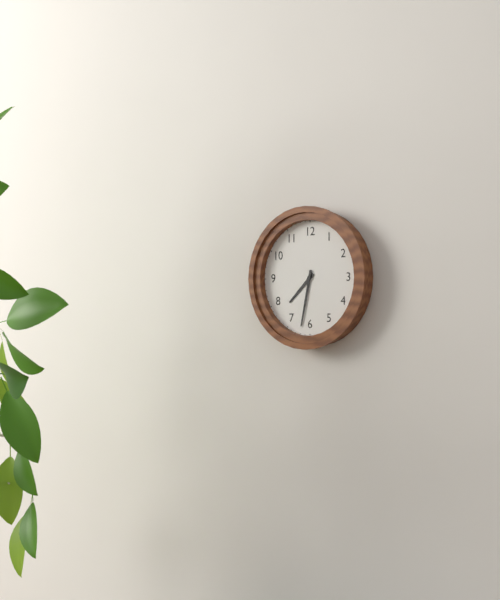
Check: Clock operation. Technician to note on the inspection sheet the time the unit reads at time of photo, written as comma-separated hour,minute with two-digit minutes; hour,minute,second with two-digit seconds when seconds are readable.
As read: 7,32
